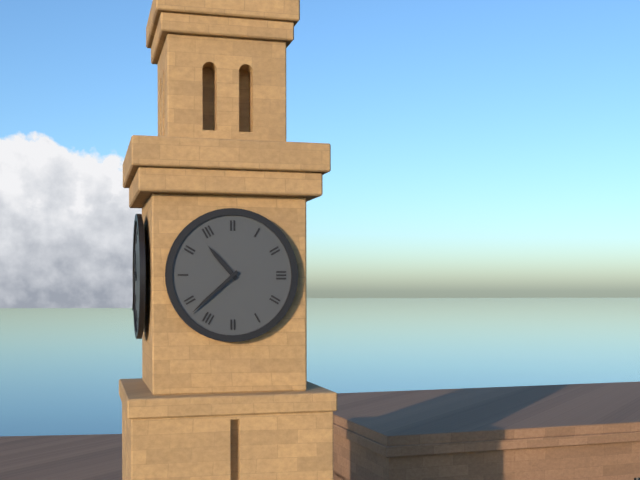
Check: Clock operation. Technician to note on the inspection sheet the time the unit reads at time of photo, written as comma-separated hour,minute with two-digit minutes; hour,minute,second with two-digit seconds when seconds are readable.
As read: 10,38
